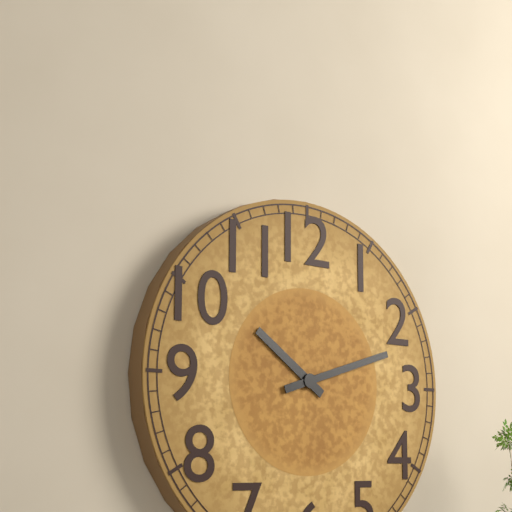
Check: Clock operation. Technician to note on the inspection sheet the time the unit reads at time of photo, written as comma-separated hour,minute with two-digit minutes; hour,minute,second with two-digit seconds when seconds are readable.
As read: 10,12
